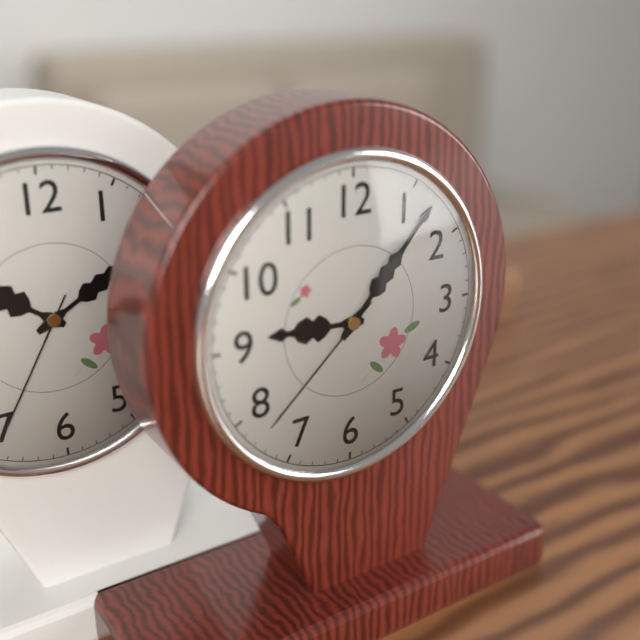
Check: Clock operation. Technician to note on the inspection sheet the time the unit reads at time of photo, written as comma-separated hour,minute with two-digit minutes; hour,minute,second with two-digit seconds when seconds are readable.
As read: 9,07,38
